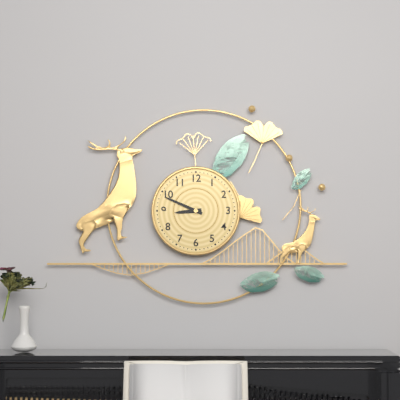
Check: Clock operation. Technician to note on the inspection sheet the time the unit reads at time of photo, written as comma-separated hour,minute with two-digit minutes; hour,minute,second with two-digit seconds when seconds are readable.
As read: 8,49
